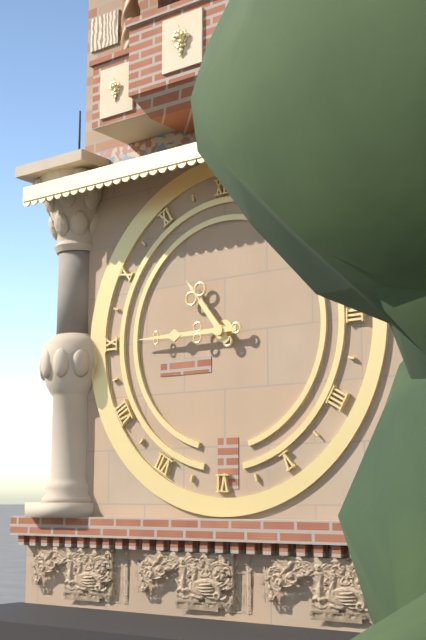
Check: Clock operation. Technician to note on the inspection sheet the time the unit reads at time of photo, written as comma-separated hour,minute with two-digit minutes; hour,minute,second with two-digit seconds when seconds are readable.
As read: 10,45
